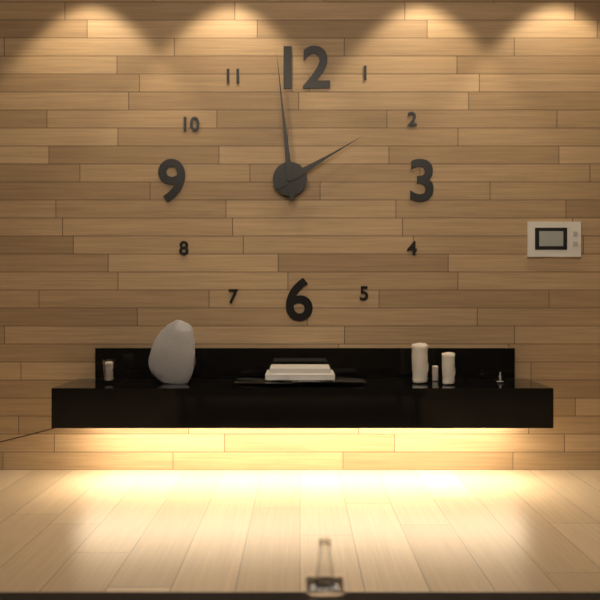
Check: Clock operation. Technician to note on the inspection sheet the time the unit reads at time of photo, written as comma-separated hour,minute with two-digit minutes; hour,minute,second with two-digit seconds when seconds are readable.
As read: 1,59
